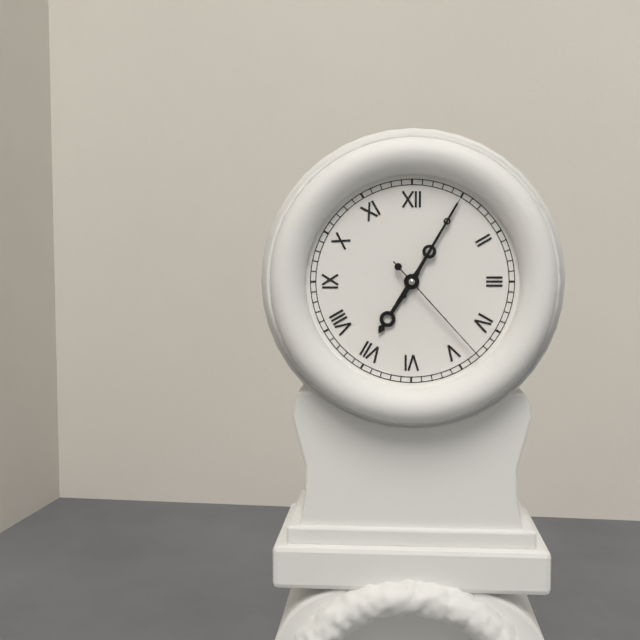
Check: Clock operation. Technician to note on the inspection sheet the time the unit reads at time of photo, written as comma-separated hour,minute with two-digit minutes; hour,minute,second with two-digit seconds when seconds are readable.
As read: 7,05,23
